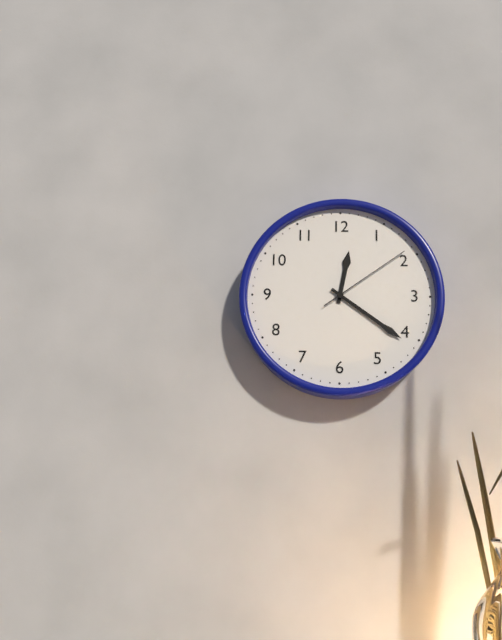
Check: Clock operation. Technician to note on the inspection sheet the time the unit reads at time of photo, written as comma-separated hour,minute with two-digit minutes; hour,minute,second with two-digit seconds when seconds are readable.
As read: 12,21,09
